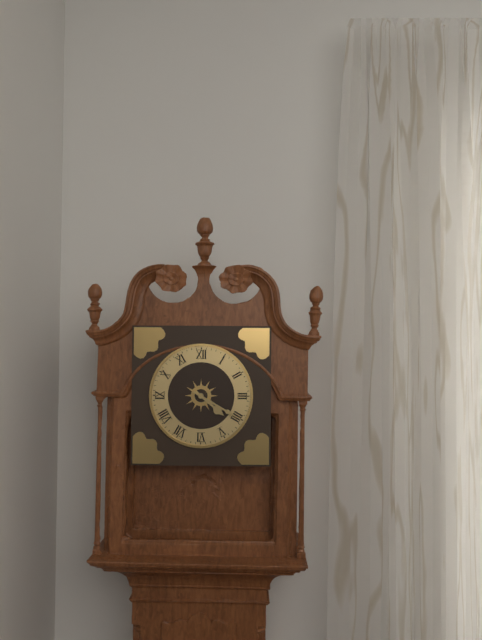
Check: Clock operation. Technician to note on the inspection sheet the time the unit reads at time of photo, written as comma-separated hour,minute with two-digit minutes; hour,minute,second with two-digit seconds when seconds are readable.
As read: 4,20
